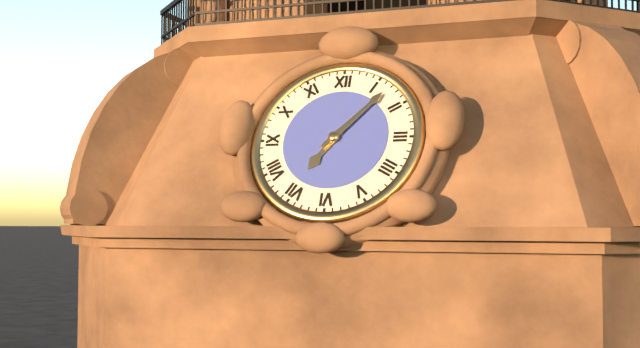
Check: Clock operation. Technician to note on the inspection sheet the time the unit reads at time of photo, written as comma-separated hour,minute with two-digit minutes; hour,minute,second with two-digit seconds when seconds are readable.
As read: 7,07
